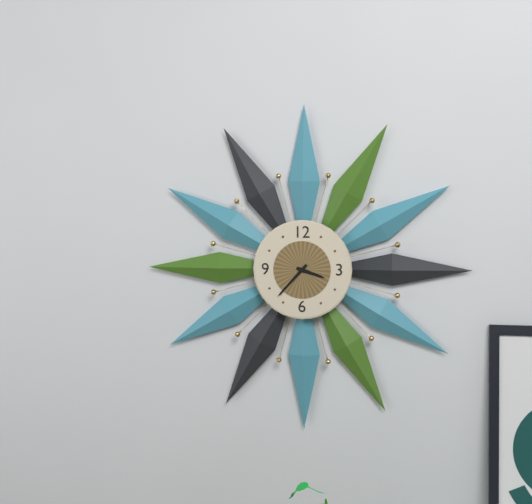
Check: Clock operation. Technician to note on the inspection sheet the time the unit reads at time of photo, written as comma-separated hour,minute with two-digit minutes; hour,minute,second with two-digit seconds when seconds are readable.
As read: 3,37
